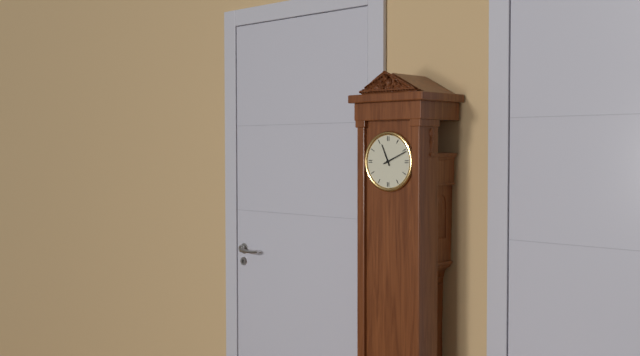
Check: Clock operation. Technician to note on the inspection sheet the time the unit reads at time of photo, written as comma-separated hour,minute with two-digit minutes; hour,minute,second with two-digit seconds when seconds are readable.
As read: 11,11
